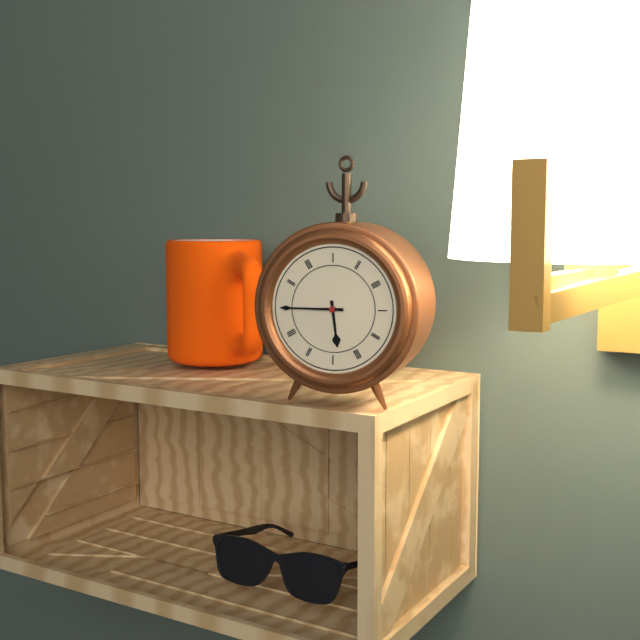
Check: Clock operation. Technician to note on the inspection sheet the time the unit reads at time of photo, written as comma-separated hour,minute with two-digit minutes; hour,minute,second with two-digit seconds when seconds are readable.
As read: 5,45
